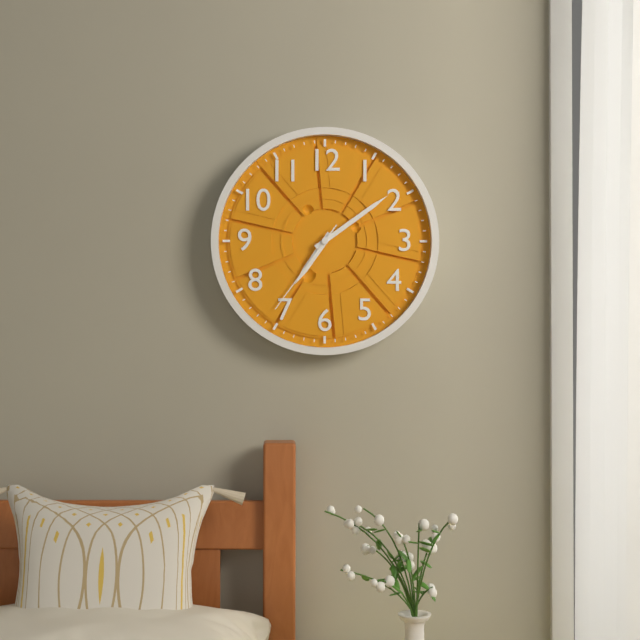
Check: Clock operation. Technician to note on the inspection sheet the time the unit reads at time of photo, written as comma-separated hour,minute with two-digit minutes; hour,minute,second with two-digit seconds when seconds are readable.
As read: 7,09,36
